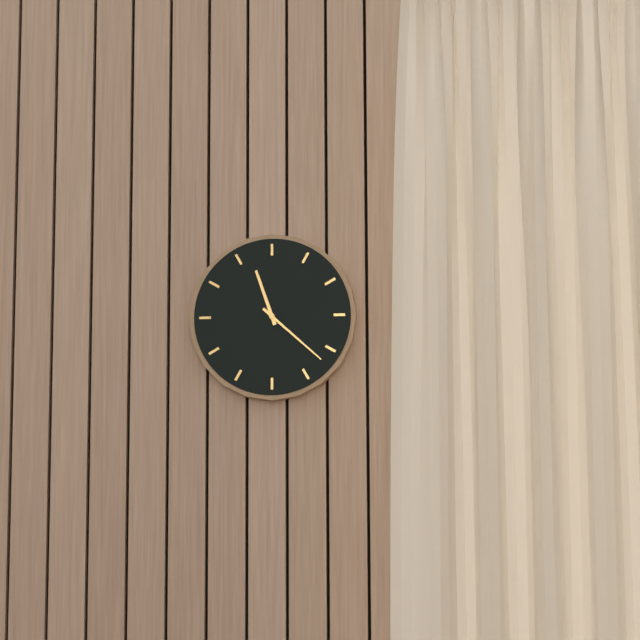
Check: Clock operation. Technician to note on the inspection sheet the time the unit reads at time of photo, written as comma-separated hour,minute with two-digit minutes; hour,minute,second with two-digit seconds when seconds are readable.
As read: 11,22
